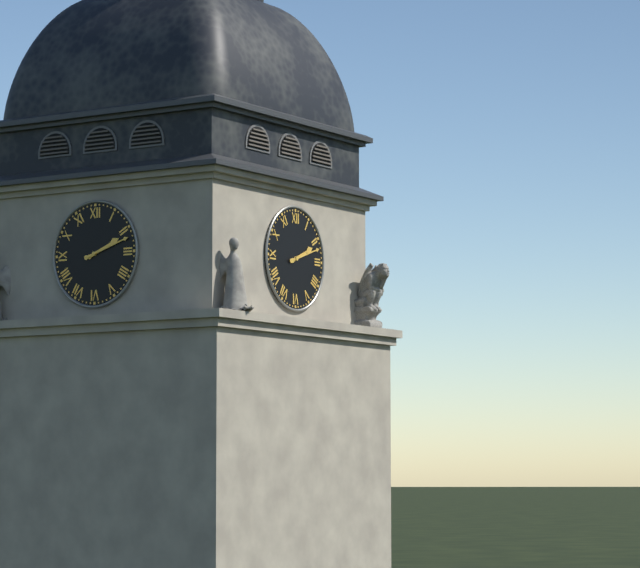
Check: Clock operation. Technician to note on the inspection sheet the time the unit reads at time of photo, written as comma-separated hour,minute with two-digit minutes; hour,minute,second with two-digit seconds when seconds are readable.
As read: 2,12
